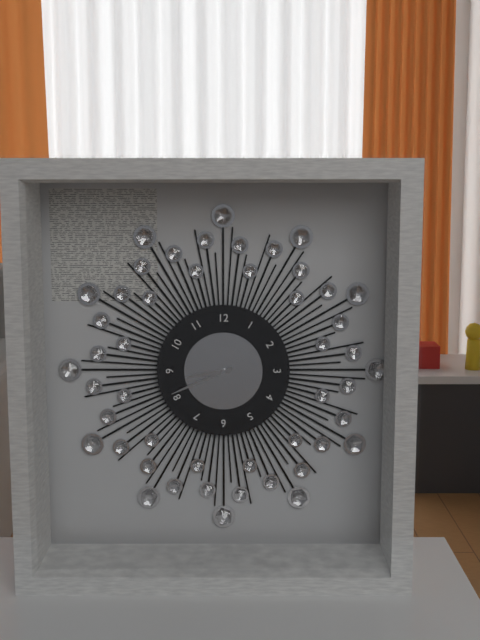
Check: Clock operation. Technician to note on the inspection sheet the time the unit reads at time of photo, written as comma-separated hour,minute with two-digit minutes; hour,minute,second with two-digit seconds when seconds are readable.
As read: 8,41
